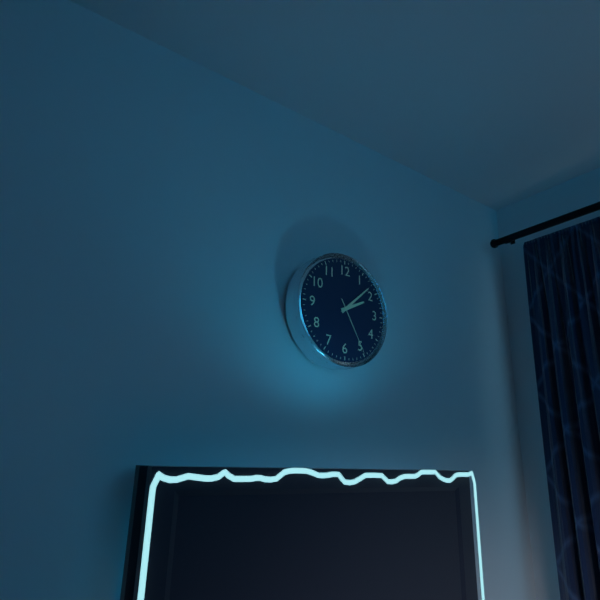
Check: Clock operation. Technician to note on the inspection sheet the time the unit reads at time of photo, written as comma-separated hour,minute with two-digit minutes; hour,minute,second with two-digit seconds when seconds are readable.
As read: 2,08,25
